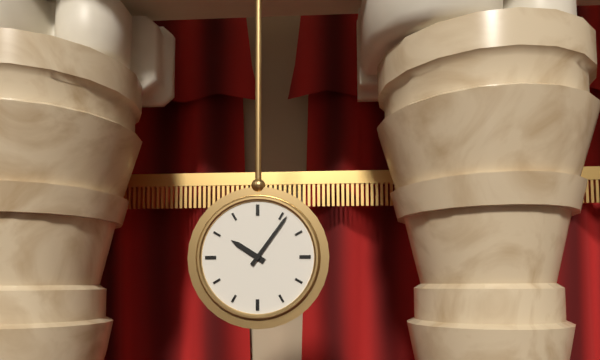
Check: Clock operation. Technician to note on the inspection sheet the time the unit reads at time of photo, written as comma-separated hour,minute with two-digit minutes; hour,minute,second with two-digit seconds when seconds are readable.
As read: 10,06
